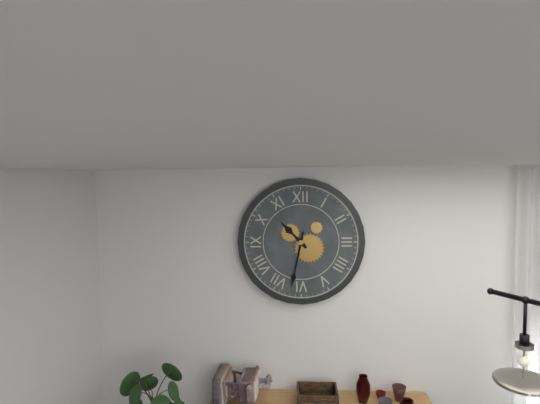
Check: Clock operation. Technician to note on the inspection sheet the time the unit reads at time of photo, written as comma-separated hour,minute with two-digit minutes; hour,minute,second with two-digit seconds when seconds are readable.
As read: 10,32
